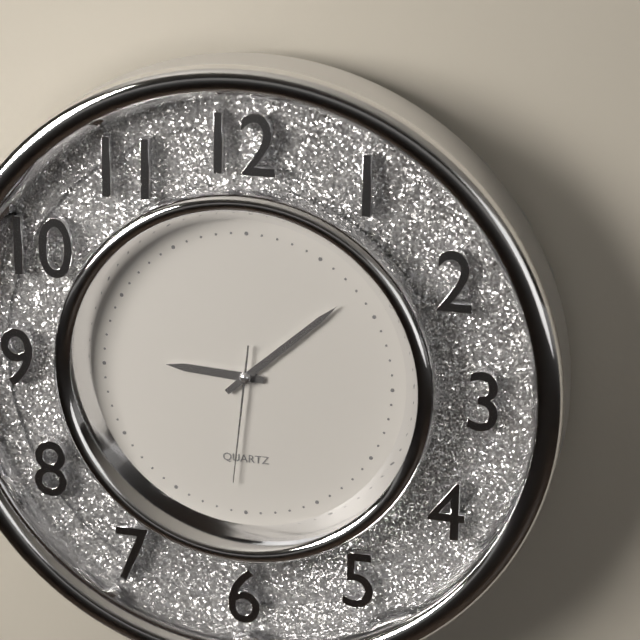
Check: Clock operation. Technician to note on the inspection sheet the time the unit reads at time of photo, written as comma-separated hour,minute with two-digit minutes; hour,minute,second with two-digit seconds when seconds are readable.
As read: 9,08,31
